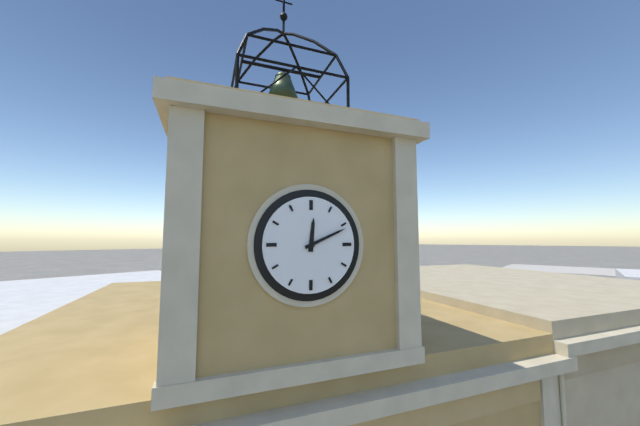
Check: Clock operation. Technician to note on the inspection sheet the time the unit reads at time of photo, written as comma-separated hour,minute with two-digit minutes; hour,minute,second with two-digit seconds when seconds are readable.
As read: 12,11
